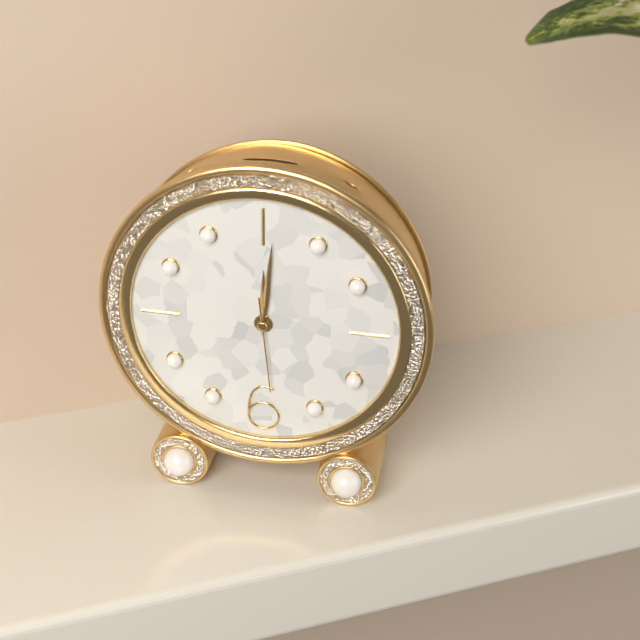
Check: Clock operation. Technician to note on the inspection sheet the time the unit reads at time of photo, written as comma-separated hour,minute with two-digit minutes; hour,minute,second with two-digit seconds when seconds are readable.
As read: 12,01,29
